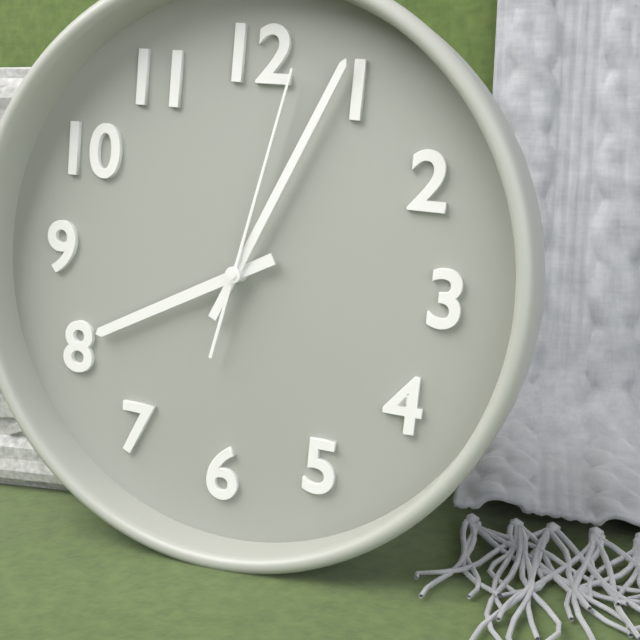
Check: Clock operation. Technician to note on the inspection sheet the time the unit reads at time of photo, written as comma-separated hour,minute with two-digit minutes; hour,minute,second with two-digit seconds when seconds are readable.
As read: 8,04,02
